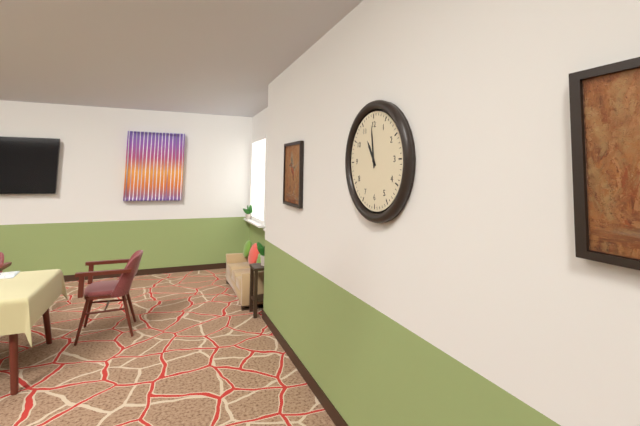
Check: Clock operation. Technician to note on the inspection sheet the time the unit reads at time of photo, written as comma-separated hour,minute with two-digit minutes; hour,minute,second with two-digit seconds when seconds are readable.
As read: 10,59
